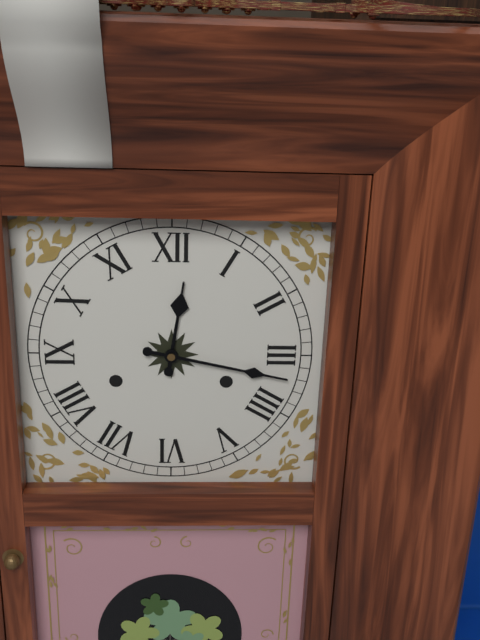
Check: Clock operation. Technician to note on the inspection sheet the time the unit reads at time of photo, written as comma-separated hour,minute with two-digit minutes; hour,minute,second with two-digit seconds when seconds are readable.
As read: 12,17
